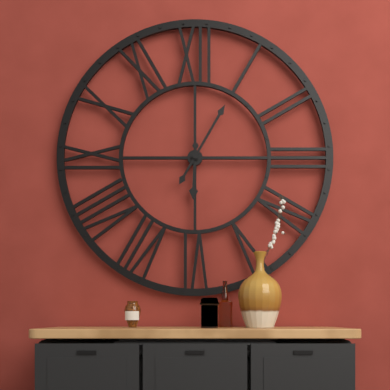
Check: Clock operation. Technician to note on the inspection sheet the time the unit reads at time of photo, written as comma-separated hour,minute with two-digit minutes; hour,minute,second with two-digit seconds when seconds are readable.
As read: 6,05
